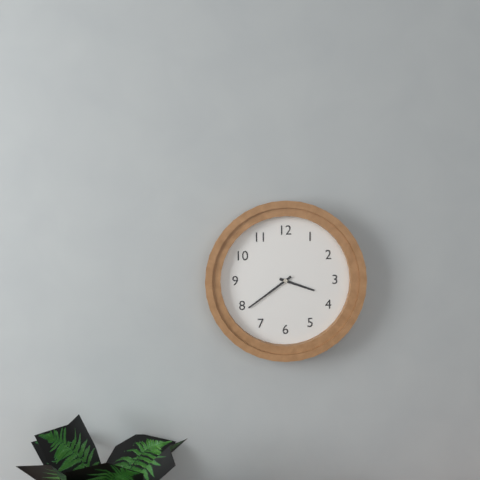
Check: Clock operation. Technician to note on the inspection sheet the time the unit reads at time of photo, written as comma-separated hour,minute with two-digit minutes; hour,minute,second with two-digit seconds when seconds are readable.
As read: 3,39
